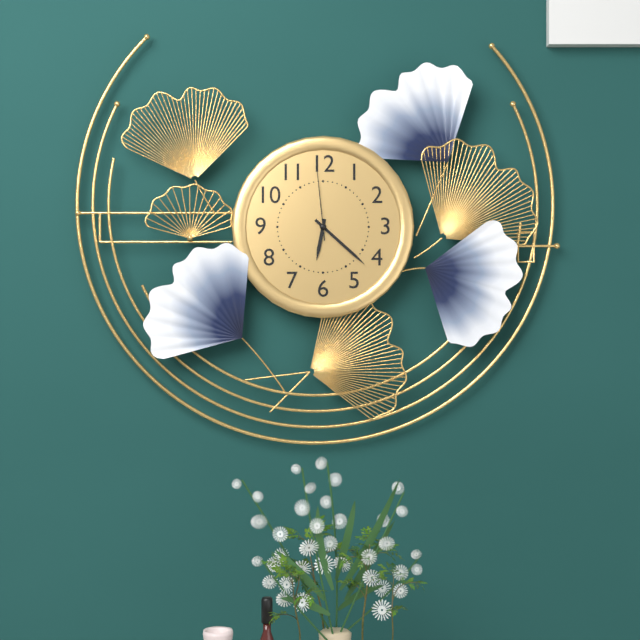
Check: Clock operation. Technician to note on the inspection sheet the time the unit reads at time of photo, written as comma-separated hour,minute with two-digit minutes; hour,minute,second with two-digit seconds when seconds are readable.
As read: 6,22,59
